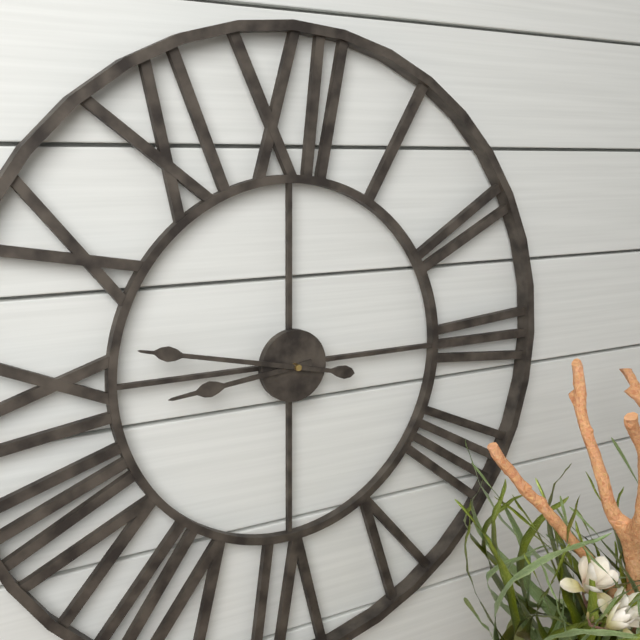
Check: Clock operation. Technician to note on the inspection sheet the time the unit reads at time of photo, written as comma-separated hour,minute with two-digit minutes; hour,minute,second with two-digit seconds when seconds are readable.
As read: 8,47
